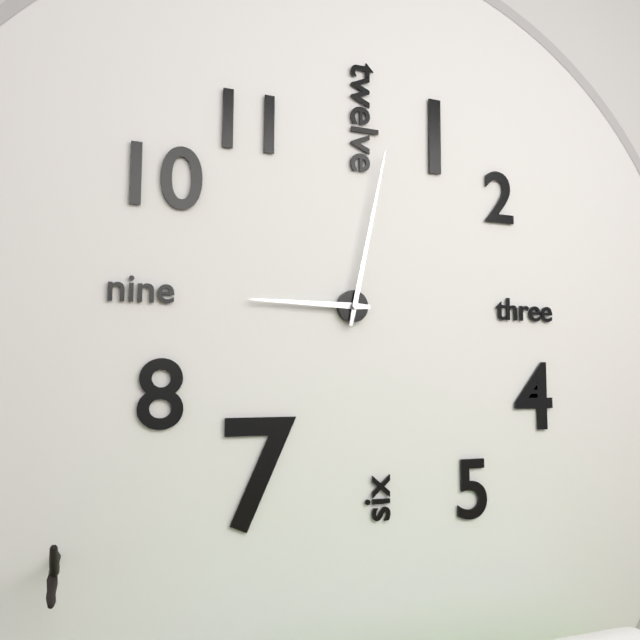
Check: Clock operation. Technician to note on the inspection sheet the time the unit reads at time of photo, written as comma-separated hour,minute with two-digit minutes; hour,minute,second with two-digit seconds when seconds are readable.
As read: 9,02
